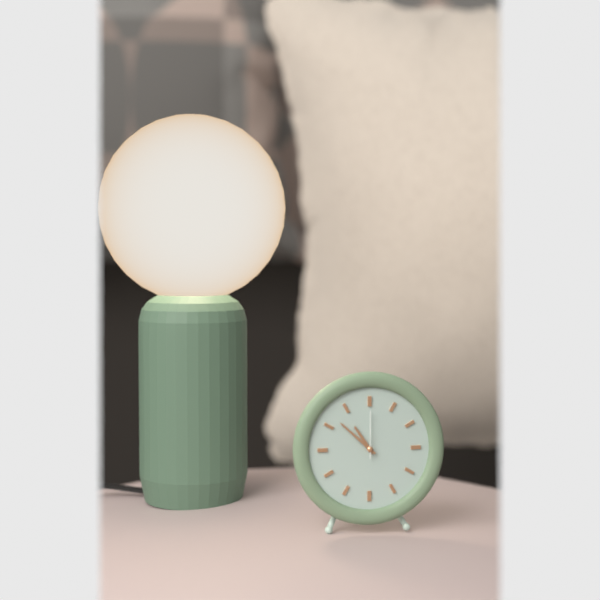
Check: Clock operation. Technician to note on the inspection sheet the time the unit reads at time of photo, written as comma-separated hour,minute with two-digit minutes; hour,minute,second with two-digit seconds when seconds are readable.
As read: 10,52
